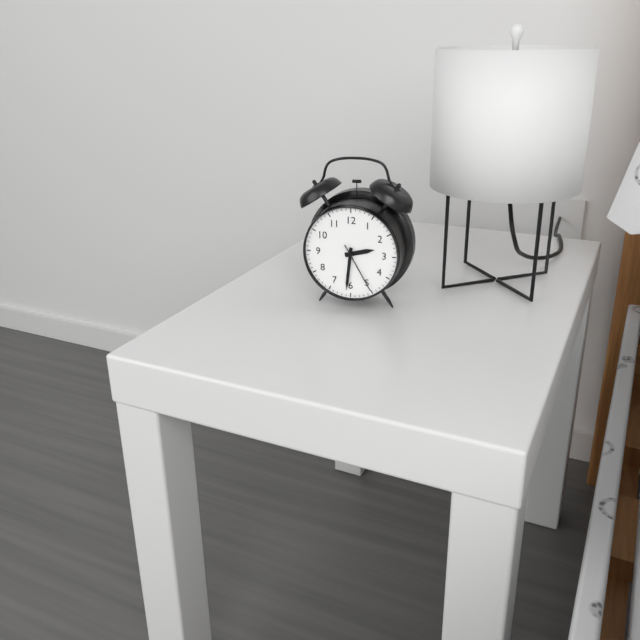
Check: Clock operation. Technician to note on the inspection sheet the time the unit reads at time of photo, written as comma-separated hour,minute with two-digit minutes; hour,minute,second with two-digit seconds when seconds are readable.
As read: 2,31,25
